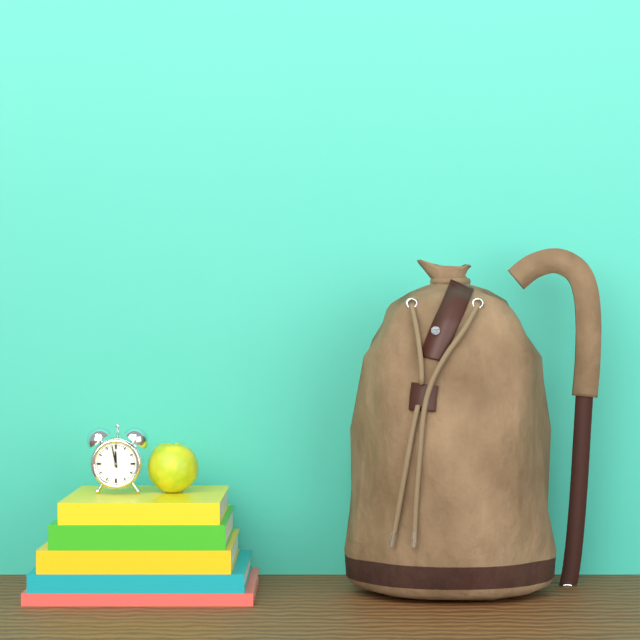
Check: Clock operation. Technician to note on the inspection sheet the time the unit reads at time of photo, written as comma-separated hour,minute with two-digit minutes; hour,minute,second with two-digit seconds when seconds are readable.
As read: 11,58
